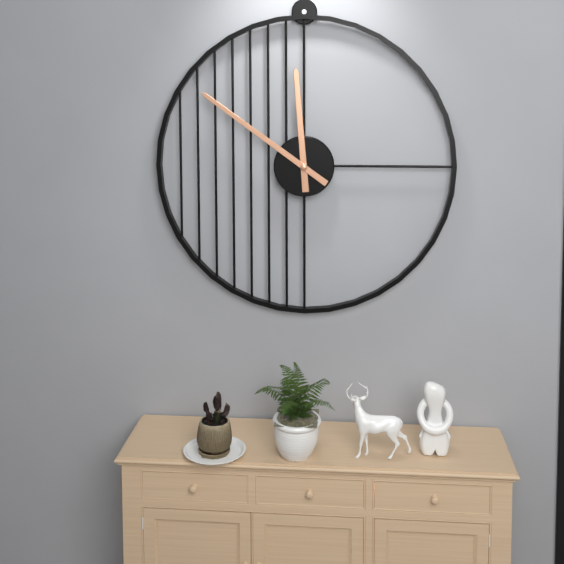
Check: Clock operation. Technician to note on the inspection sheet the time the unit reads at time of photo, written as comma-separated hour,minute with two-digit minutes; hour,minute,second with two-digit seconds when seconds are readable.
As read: 11,51
